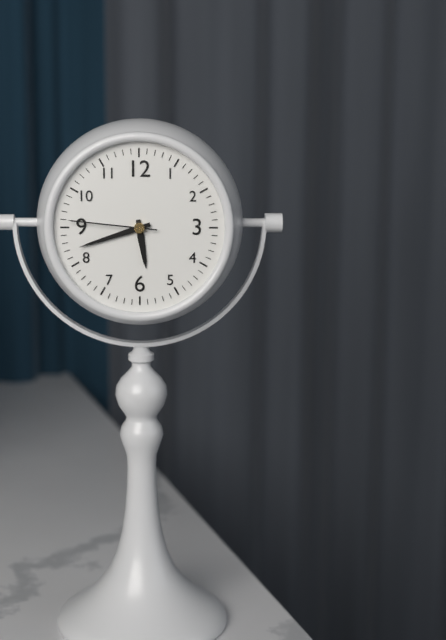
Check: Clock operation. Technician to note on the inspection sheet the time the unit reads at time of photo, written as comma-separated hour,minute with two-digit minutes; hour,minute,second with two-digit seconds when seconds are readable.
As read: 5,42,46
